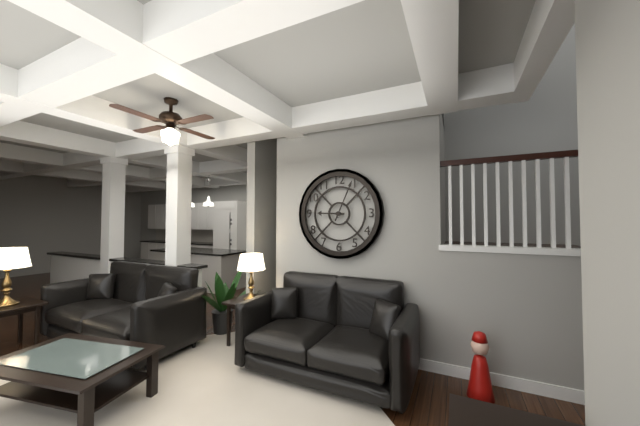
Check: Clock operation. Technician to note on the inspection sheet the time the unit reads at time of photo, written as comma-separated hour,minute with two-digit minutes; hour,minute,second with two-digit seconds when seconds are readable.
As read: 9,04
